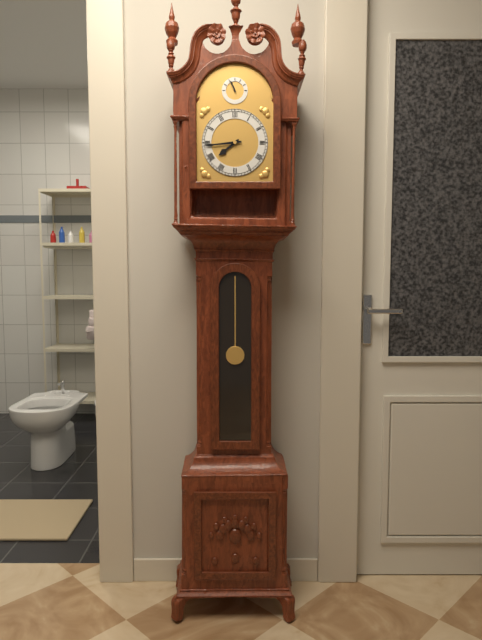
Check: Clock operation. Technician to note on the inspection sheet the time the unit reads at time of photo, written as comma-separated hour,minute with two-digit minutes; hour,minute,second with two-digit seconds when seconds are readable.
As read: 7,44
